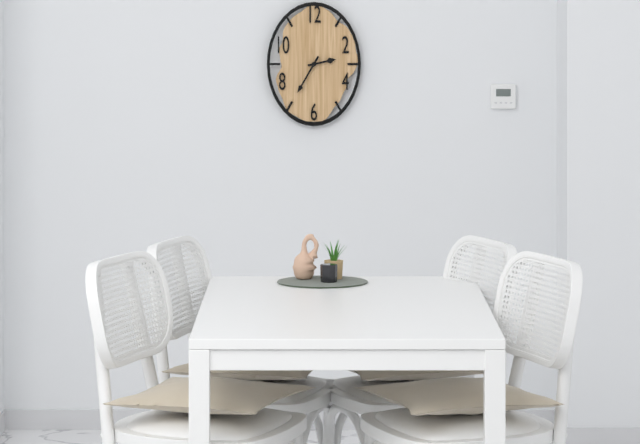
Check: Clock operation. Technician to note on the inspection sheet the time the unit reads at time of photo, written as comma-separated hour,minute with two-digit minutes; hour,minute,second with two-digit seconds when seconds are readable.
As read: 2,35
